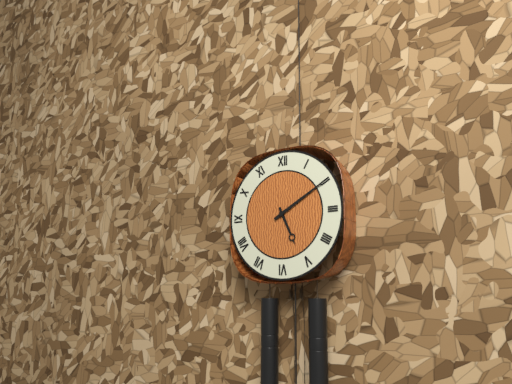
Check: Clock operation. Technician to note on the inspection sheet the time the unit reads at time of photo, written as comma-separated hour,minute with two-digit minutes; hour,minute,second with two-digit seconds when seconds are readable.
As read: 5,10
